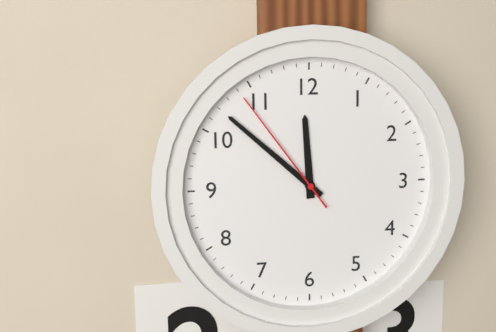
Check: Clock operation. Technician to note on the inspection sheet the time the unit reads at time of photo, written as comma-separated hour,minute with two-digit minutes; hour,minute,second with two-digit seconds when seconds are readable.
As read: 11,52,54
